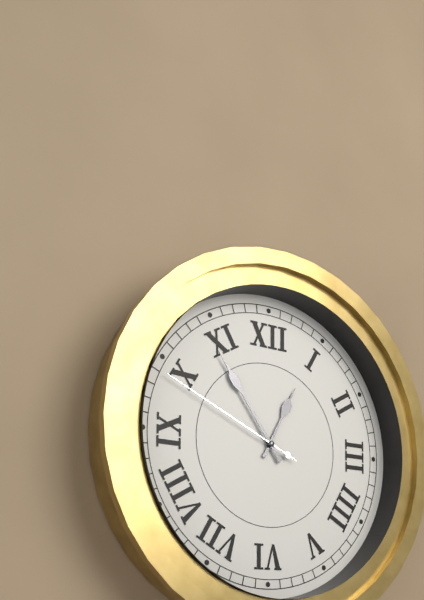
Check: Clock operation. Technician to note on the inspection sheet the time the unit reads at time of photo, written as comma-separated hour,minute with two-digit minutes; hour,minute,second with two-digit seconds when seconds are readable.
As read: 12,54,49
